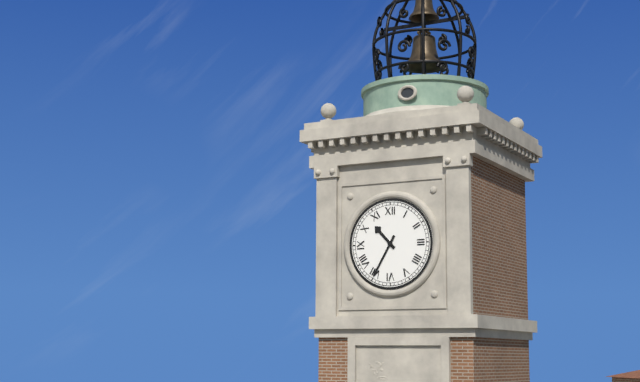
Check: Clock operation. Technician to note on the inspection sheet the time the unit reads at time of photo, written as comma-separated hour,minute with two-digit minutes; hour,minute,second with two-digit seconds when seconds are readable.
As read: 10,35
